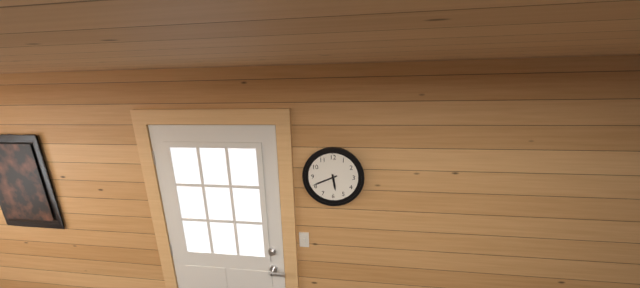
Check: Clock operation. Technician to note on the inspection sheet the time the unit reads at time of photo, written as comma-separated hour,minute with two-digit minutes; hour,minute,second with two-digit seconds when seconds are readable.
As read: 5,41
